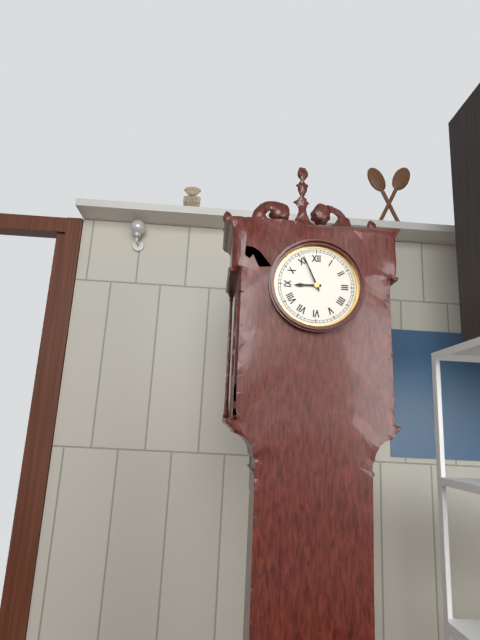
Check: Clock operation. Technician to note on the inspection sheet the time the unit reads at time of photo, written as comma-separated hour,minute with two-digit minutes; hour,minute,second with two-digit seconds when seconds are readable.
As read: 8,56
